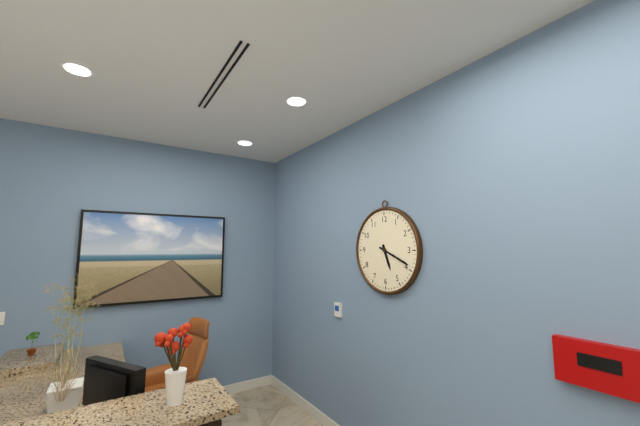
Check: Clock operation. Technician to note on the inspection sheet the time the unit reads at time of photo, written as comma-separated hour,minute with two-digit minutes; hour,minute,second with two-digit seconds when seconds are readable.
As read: 5,19
